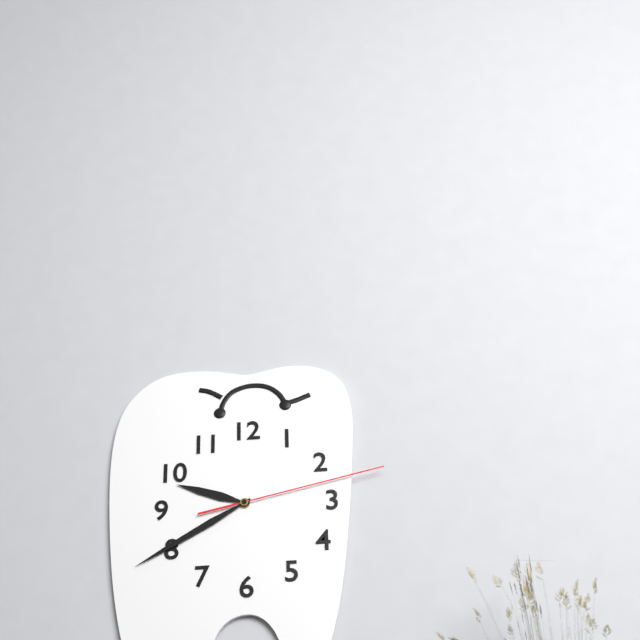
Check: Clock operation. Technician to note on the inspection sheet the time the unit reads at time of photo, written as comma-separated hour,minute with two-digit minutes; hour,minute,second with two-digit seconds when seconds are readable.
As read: 9,40,13
